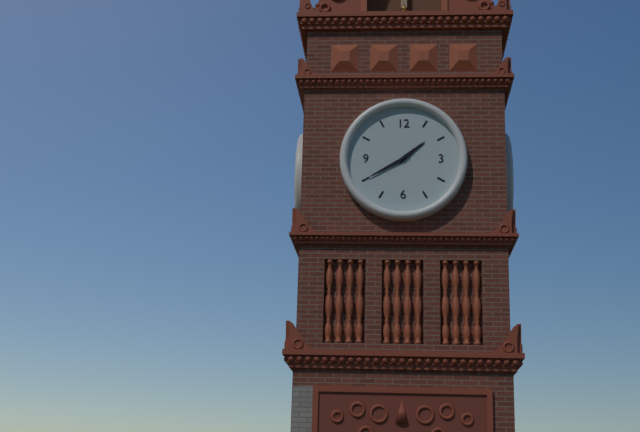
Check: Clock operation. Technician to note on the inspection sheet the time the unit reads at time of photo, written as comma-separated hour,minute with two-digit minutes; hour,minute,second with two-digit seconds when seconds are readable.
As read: 1,40
